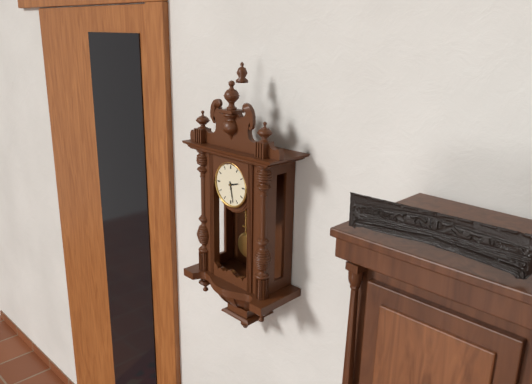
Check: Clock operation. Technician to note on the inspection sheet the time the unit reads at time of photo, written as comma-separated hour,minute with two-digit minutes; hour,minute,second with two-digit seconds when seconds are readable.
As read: 2,28
